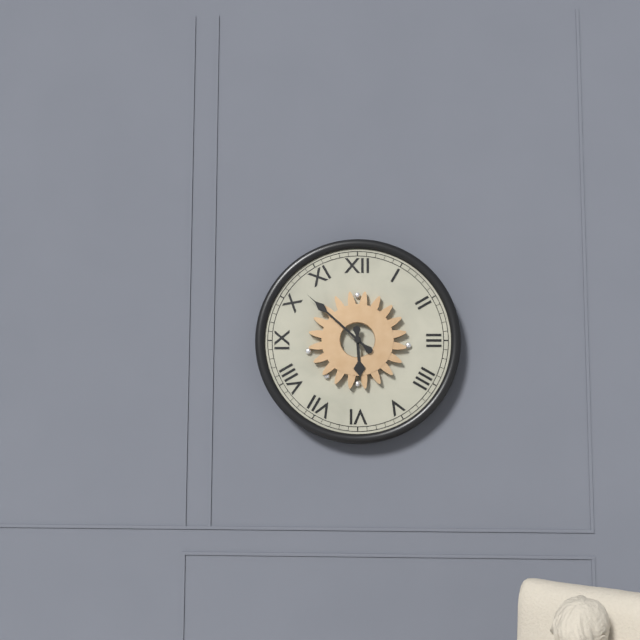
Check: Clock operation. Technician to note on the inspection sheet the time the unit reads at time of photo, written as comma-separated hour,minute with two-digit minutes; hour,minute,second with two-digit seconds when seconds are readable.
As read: 5,52
